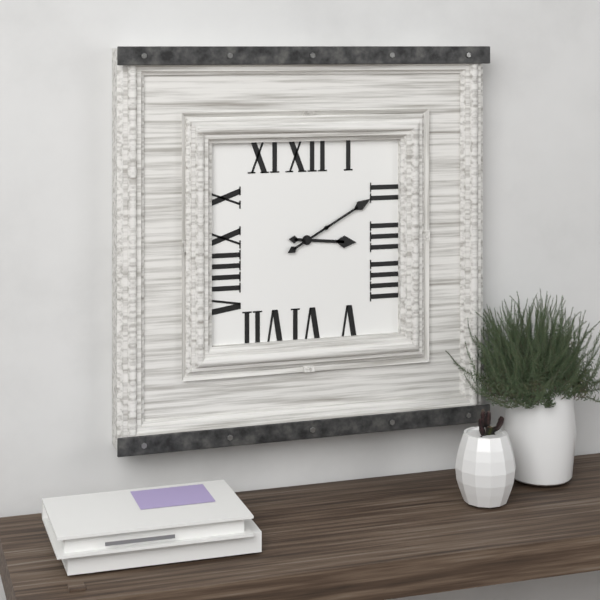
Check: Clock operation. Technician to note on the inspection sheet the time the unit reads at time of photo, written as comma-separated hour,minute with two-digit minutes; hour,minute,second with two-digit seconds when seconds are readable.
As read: 3,10
